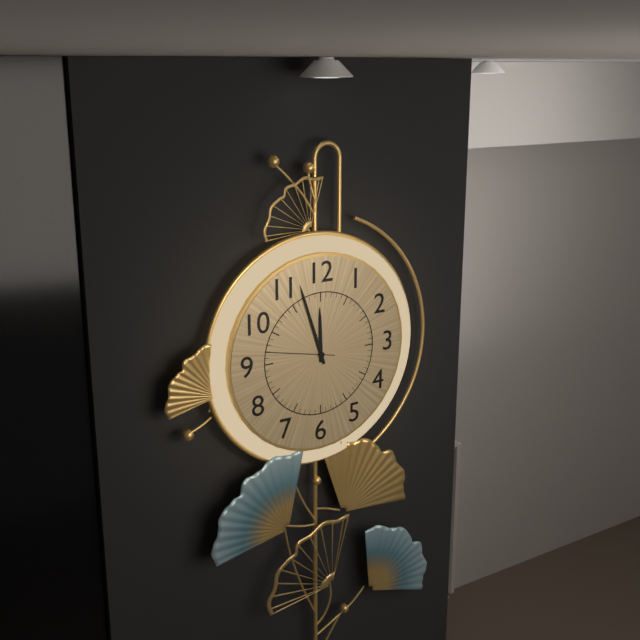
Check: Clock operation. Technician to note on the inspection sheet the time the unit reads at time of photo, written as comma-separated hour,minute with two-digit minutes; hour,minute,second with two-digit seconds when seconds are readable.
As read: 11,57,47
